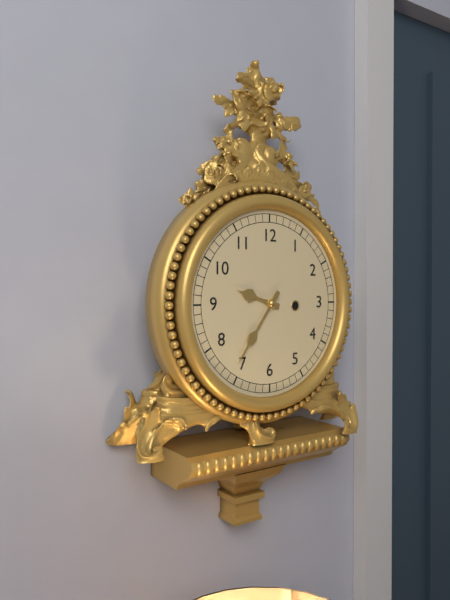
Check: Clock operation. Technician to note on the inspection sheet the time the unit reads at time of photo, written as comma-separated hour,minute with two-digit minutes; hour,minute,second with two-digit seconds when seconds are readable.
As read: 9,36
